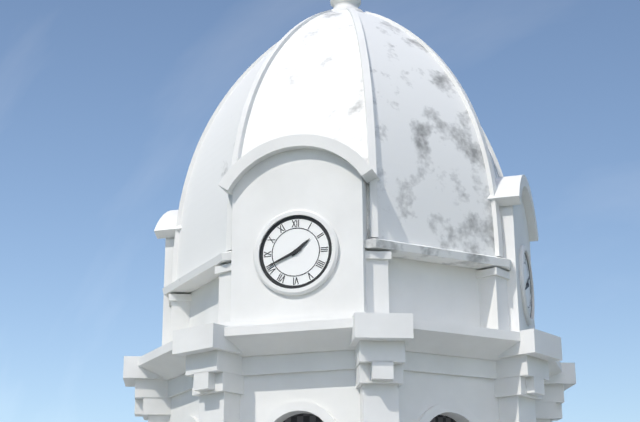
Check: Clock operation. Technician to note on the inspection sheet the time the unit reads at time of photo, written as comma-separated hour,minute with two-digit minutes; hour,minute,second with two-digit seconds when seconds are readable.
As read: 1,41
